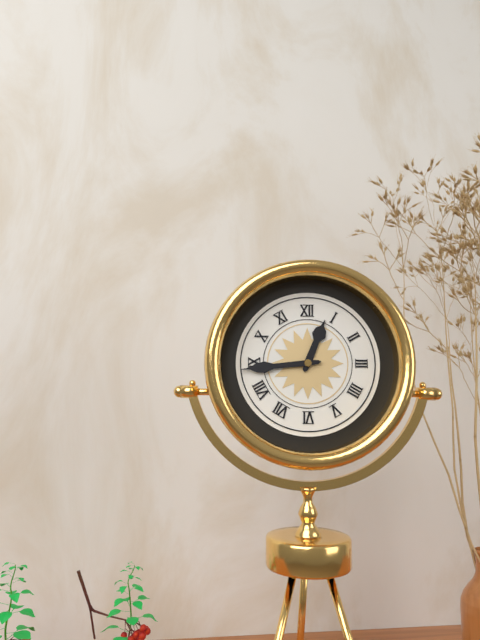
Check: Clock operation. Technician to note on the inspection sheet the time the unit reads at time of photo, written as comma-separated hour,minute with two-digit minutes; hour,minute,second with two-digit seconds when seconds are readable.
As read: 12,44
